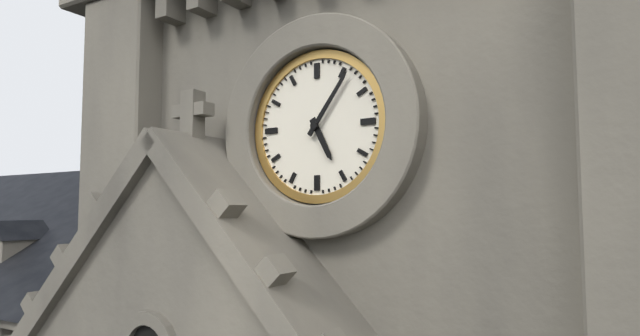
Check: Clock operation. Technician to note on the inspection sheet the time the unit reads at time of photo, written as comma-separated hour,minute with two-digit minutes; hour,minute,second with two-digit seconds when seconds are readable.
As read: 5,06
